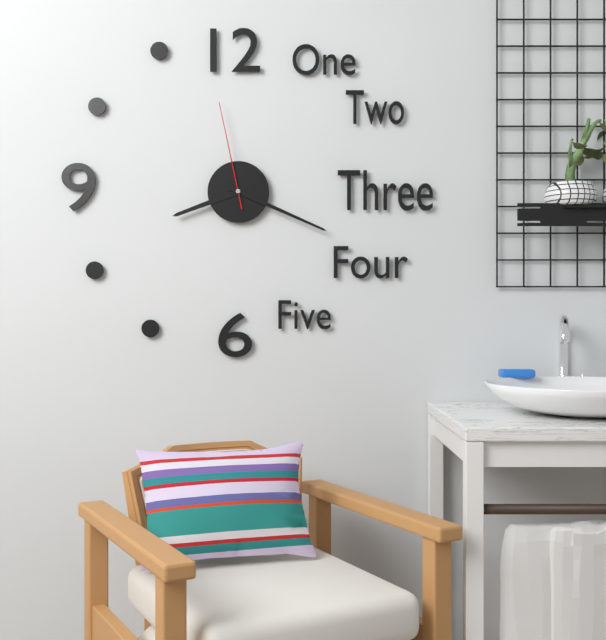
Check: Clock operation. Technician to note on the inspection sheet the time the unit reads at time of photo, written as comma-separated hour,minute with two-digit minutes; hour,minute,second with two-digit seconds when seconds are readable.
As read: 8,19,58
